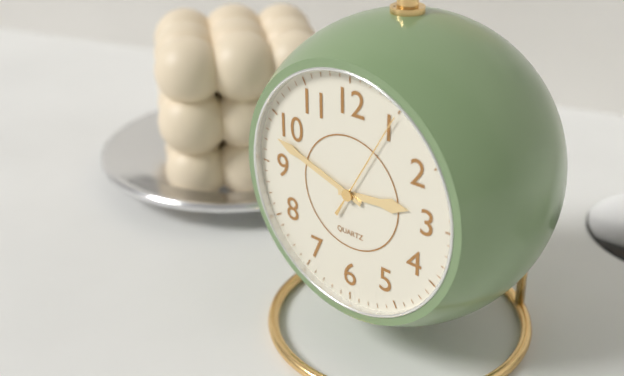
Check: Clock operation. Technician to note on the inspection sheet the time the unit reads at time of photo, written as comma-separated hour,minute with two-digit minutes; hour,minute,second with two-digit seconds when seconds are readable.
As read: 2,48,05
